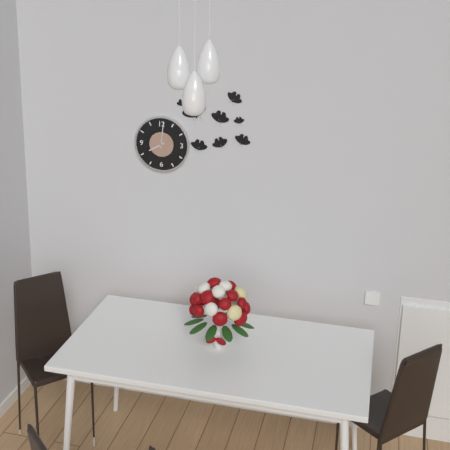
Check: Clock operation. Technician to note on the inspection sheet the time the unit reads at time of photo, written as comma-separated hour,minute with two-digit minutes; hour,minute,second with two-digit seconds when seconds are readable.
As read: 8,01
